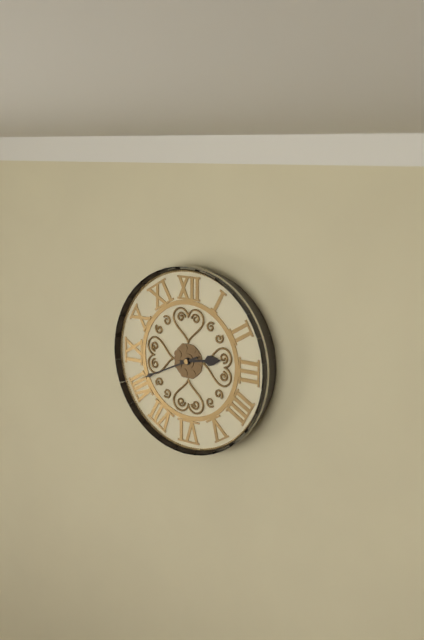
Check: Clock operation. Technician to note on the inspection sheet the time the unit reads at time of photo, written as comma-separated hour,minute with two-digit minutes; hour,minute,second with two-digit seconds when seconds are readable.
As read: 2,41
